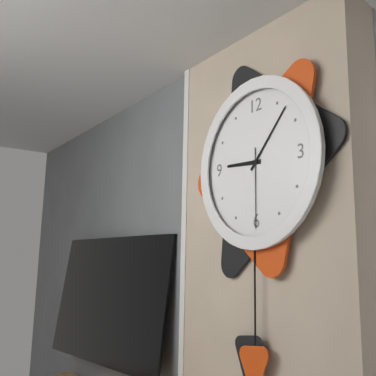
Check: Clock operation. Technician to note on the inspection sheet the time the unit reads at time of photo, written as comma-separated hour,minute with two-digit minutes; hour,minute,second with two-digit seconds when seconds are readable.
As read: 9,07,30
